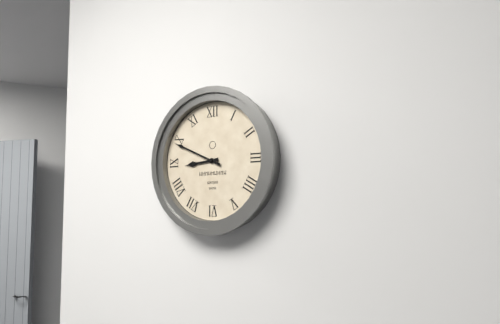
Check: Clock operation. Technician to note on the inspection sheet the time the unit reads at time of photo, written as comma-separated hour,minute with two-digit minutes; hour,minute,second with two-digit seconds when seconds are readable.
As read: 8,49
